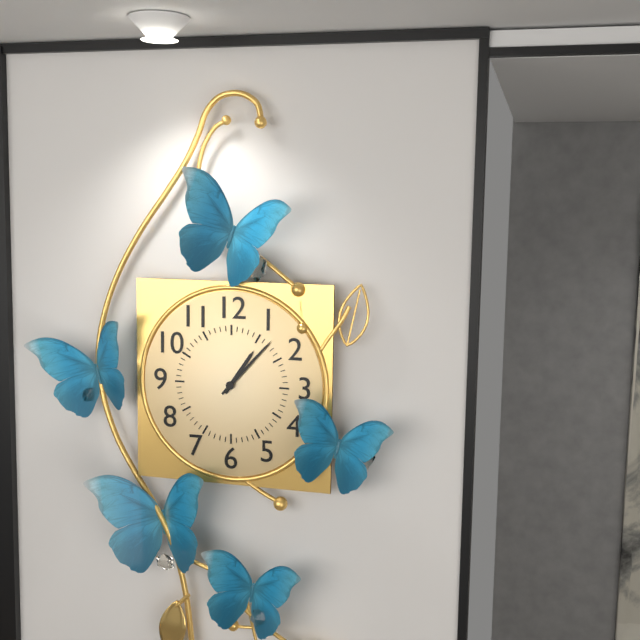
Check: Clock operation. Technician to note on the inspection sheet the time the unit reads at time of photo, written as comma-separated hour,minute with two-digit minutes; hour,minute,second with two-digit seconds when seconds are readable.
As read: 1,07
